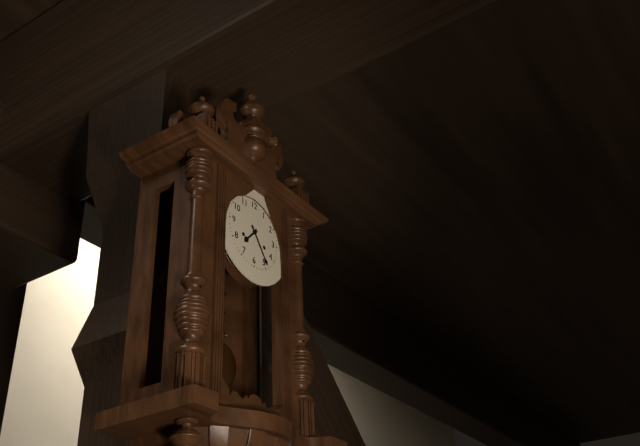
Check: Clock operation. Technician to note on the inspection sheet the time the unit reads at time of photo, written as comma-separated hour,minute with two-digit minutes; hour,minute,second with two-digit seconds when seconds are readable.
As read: 7,24
